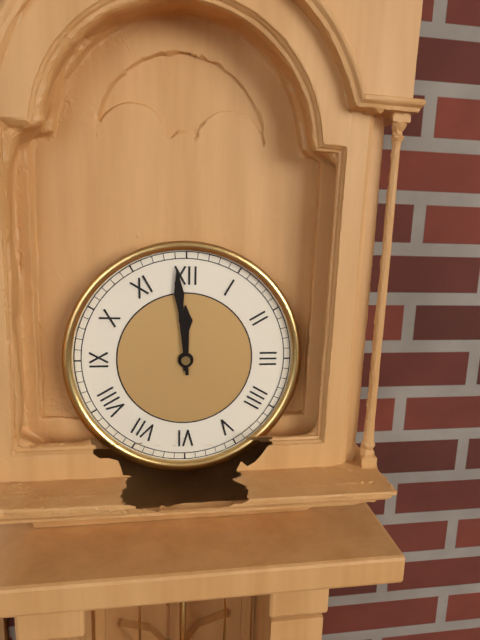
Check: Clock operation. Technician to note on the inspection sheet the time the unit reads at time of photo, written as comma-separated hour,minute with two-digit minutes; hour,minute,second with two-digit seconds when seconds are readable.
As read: 11,59
